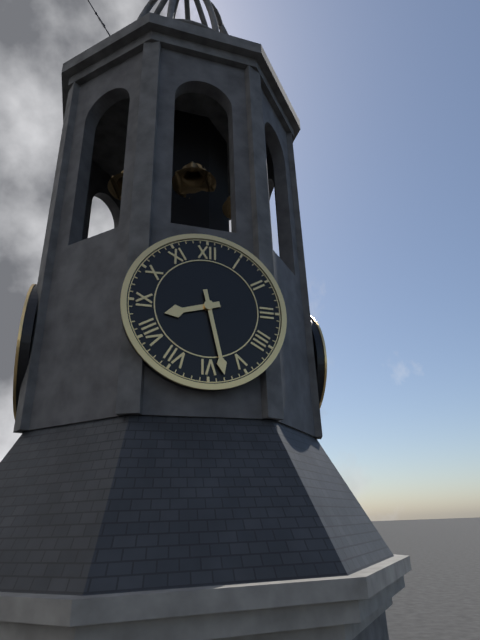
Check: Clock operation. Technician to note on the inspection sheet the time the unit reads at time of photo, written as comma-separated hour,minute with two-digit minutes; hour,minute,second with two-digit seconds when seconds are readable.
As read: 8,28
